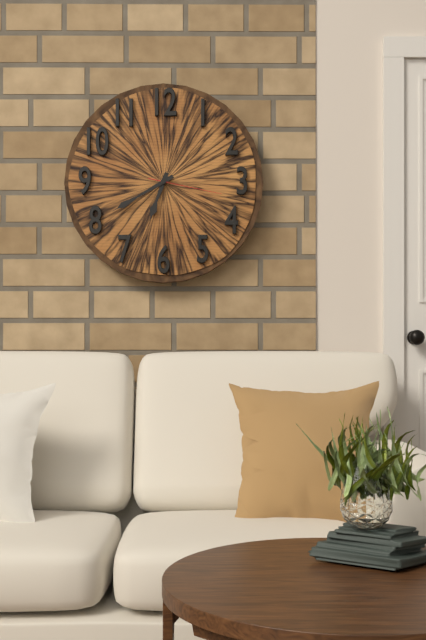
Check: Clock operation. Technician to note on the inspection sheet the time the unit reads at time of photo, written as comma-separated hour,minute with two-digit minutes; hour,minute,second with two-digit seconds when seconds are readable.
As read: 6,40,17
